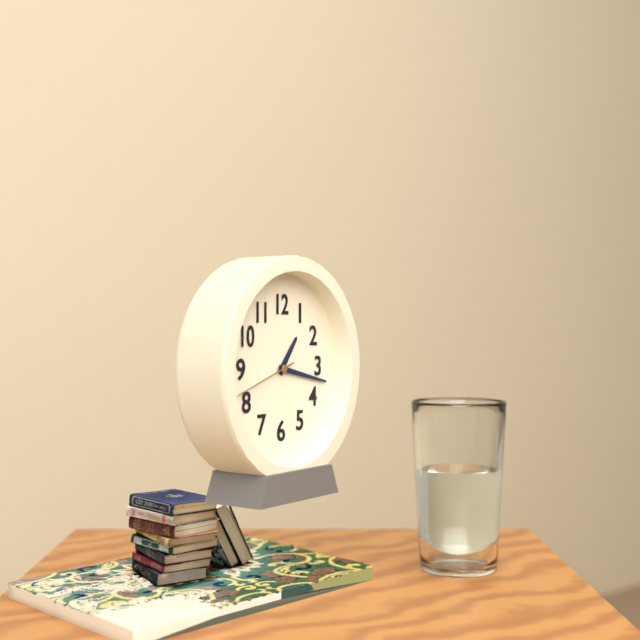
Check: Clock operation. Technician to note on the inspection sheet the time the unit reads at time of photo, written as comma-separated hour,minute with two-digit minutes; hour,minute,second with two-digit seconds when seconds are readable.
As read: 1,17,42
